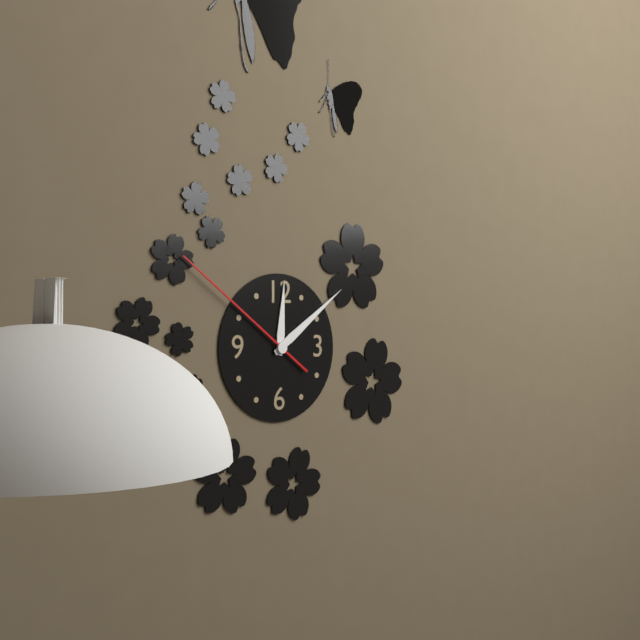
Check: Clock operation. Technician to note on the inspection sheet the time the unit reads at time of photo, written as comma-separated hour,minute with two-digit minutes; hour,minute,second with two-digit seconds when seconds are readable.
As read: 12,09,51
